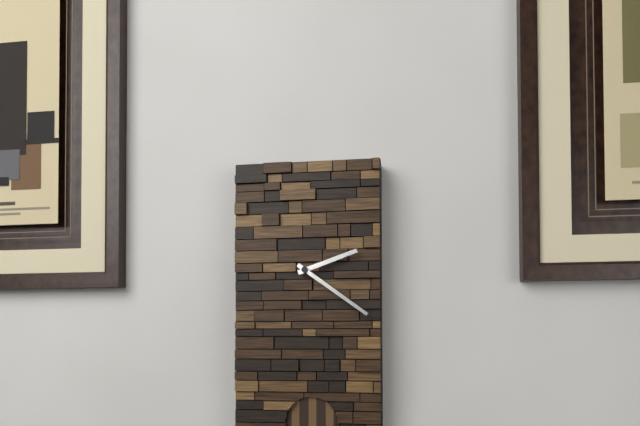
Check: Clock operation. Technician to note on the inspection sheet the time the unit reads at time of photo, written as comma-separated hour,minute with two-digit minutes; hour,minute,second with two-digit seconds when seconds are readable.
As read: 2,21
